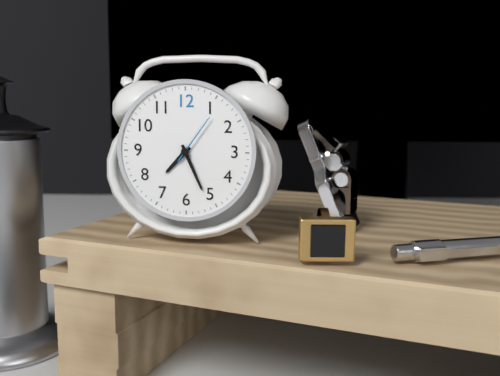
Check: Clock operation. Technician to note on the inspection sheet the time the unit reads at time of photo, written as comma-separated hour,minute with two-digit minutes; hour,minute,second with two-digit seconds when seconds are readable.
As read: 7,26,06
